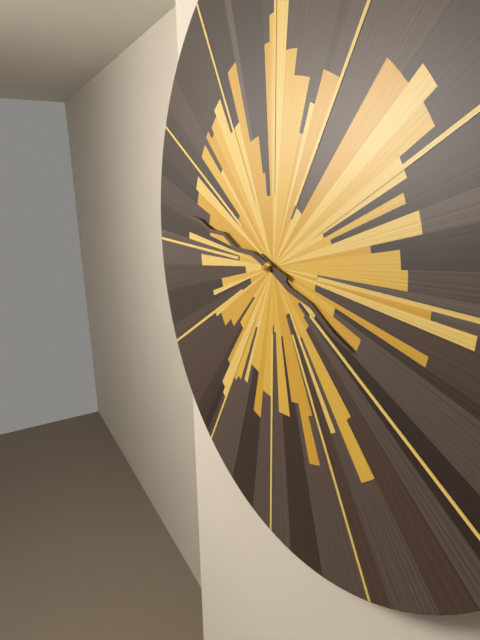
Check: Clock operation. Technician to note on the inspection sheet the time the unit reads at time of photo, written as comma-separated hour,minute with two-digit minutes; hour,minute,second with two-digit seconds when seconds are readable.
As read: 3,47
